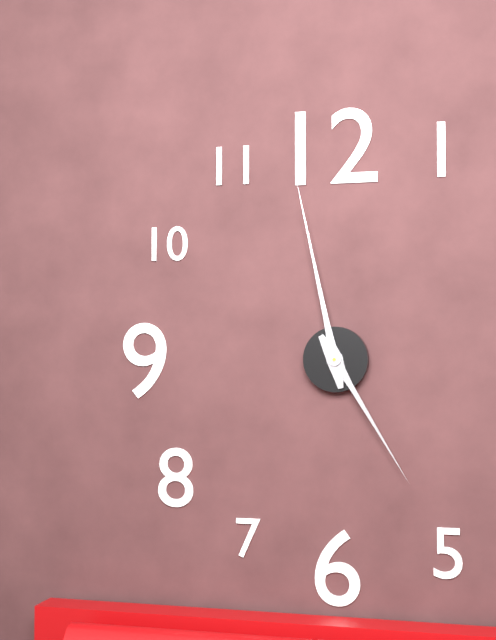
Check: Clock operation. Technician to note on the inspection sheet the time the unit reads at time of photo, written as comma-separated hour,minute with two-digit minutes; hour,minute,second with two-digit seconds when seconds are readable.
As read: 4,58
